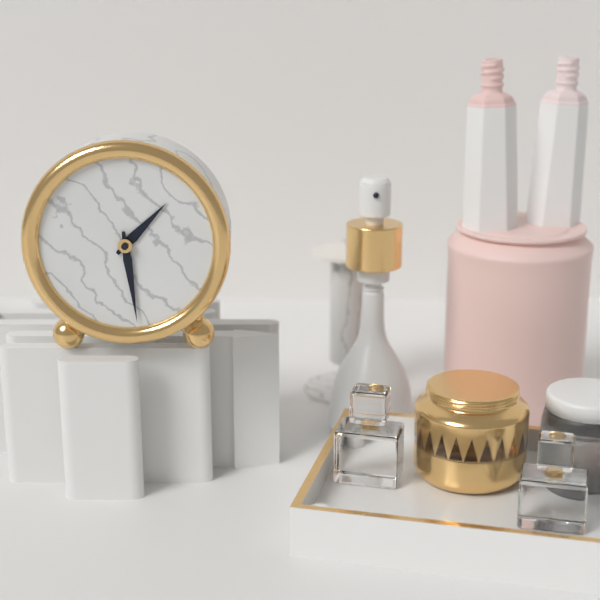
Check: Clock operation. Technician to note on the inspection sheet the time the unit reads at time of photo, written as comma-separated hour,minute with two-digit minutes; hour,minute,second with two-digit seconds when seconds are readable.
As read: 1,29
